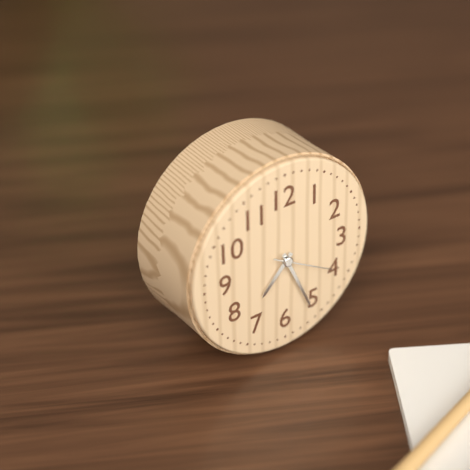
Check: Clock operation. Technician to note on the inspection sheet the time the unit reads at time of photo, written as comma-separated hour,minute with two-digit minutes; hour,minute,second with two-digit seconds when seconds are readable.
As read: 7,26,20
